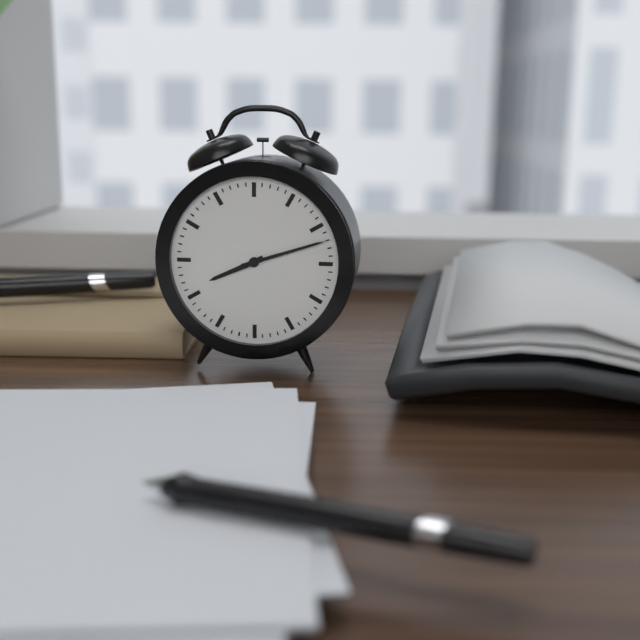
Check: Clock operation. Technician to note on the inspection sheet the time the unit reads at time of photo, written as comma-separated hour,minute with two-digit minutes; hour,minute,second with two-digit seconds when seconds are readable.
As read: 8,12
